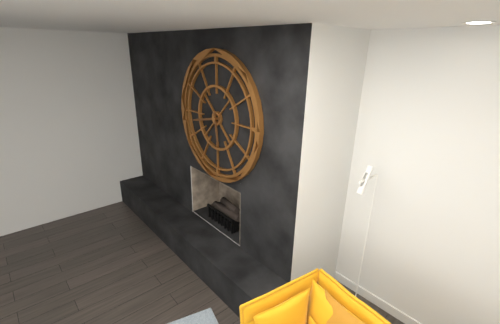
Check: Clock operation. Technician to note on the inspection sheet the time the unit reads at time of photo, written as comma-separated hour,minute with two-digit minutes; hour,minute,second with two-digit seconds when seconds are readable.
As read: 5,43
